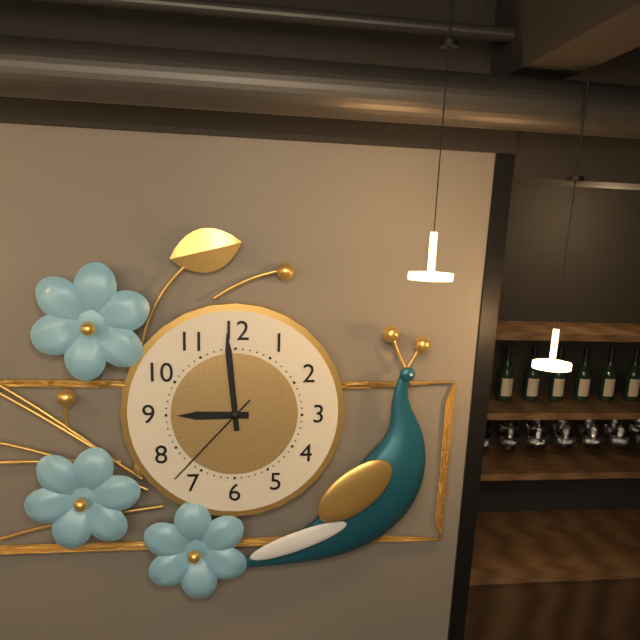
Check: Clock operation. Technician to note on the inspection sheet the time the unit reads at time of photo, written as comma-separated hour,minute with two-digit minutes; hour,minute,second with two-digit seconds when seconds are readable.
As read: 8,59,37
